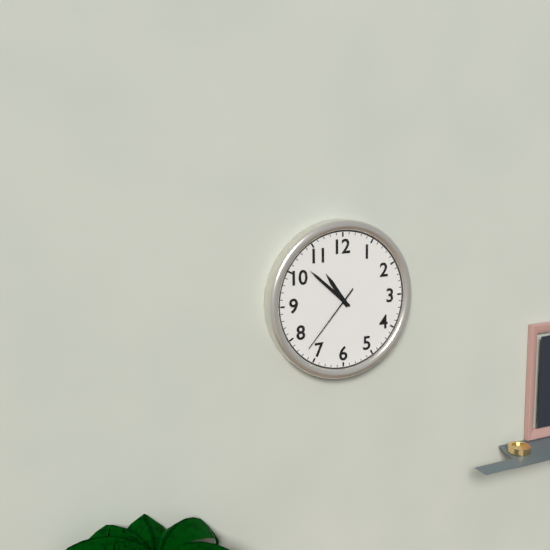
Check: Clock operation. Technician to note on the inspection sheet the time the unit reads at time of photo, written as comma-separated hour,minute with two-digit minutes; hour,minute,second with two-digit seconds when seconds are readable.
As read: 10,52,37
